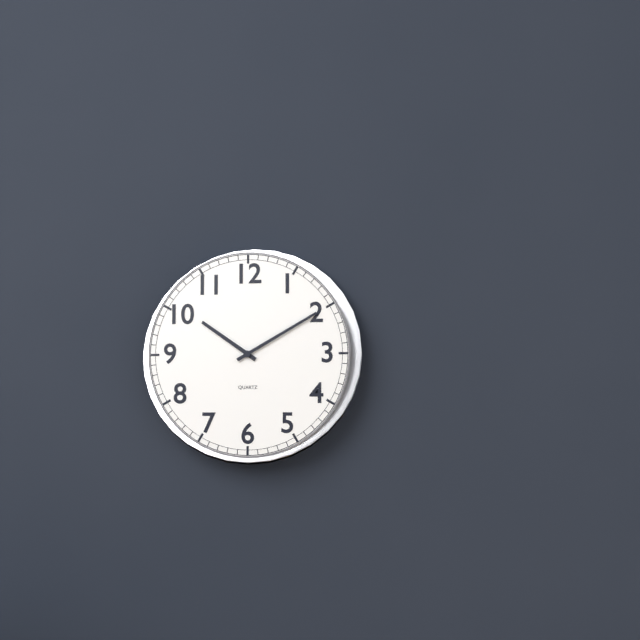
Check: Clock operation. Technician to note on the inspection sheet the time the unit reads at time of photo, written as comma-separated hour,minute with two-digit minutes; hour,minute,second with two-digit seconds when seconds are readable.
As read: 10,10
